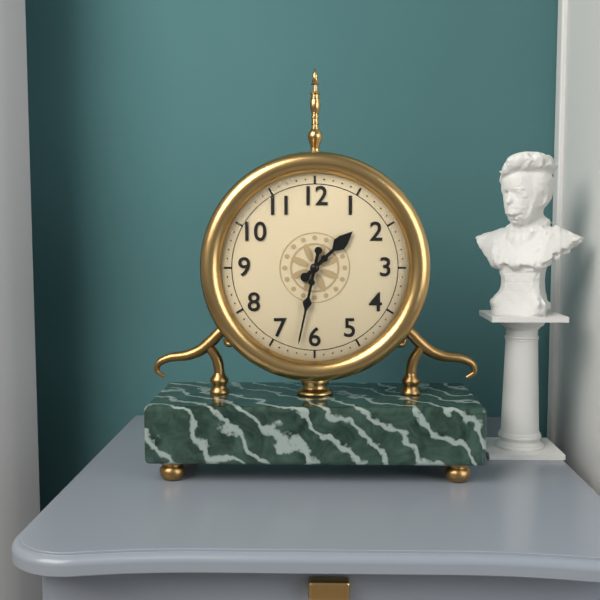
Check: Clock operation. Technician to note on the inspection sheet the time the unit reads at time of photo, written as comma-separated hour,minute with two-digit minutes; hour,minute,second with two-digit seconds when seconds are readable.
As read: 1,32
